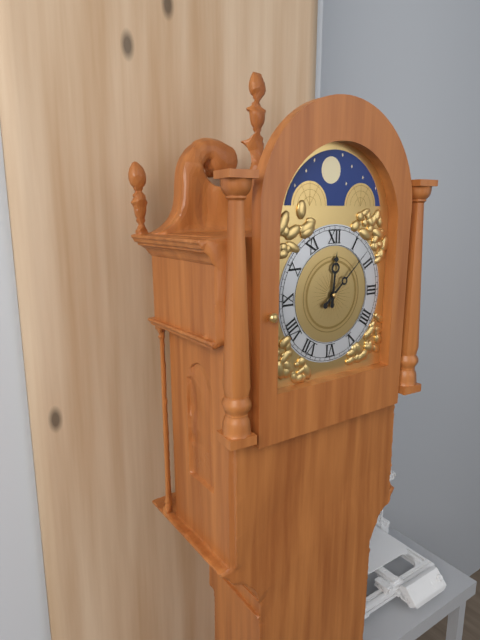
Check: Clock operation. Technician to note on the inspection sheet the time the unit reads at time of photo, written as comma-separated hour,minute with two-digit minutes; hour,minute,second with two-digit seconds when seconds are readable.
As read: 12,08
